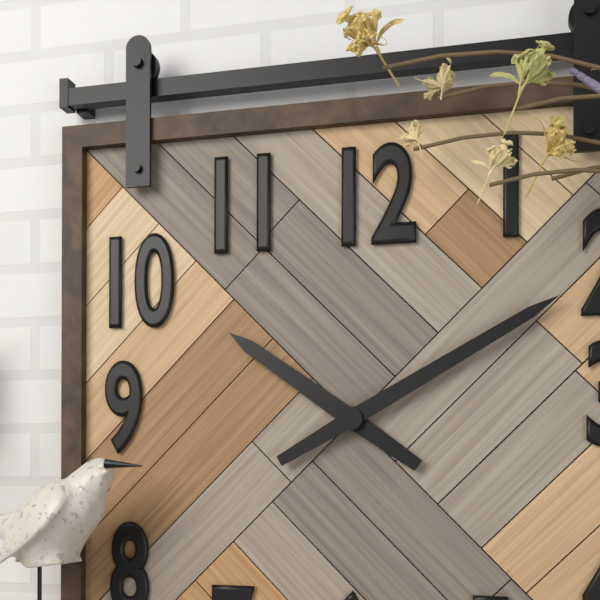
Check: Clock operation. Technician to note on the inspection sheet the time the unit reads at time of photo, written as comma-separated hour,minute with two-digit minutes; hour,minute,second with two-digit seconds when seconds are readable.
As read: 10,10
